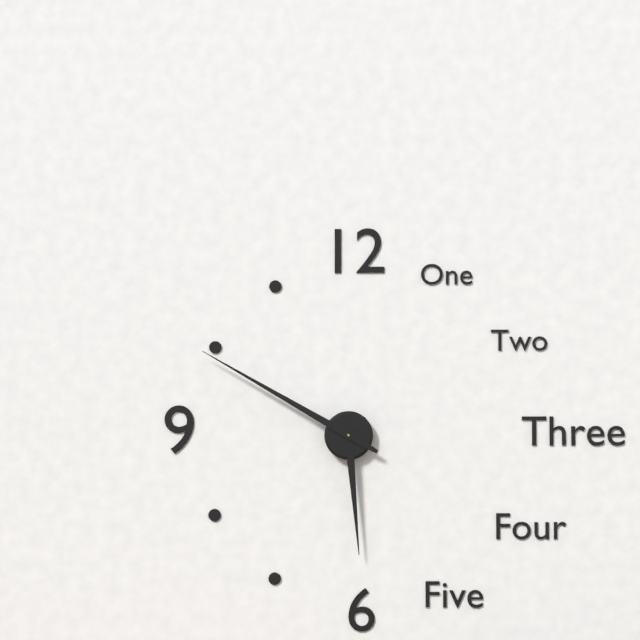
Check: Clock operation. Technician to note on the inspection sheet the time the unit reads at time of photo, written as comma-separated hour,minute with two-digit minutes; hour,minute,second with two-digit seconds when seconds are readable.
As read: 5,50
